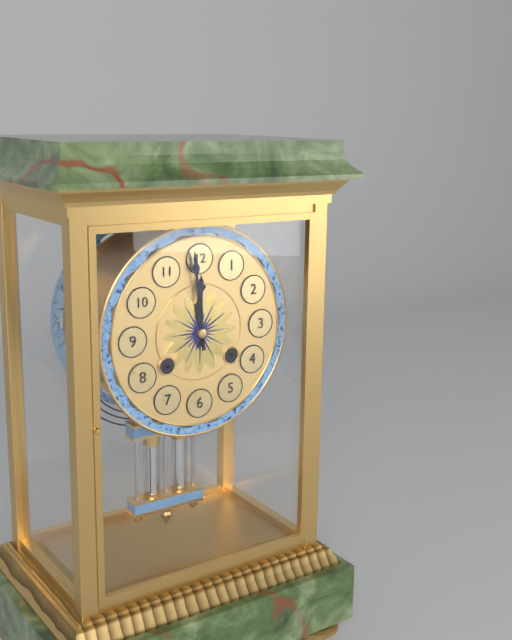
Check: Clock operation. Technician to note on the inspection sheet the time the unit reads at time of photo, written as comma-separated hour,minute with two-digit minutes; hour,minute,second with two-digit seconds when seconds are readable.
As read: 11,59
